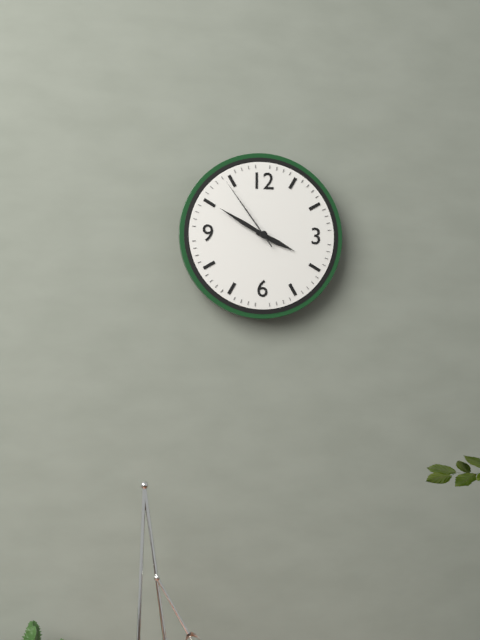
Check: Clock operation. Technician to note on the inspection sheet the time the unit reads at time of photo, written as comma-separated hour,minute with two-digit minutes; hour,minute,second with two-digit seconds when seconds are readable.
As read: 3,50,54
